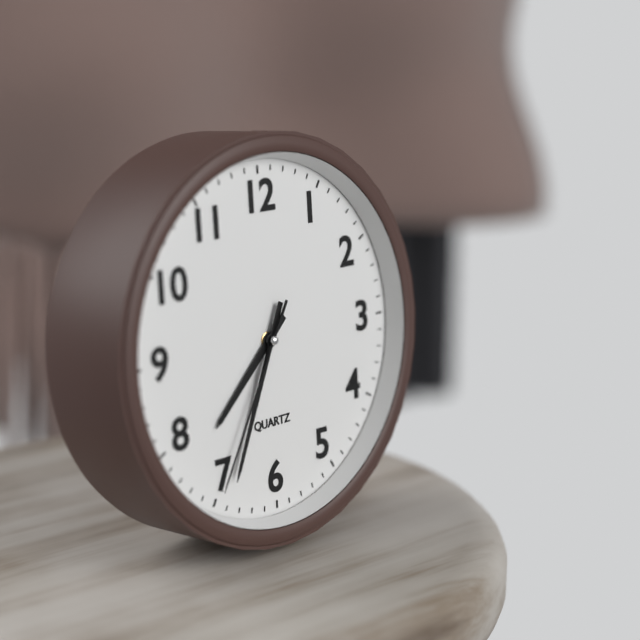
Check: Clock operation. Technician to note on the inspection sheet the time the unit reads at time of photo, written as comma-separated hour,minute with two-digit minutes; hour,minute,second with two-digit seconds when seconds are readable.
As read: 7,34,35
